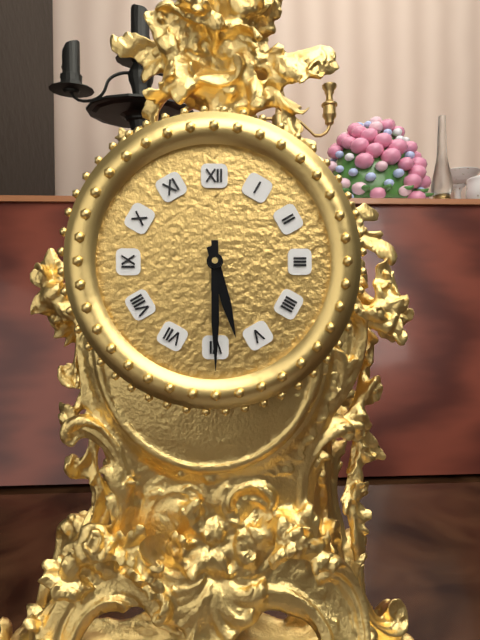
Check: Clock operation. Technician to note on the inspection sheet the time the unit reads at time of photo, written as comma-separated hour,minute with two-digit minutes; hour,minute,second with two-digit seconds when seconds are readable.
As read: 5,30
